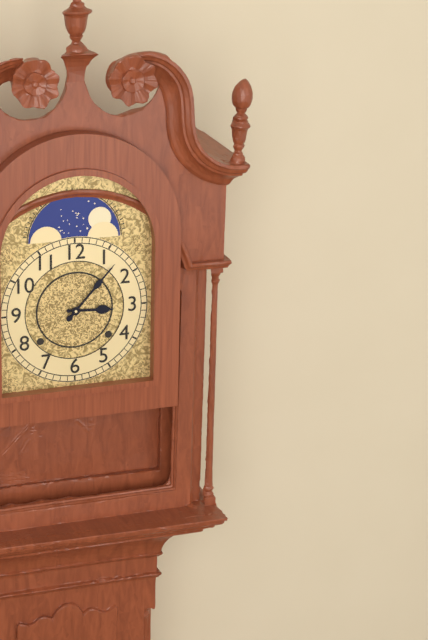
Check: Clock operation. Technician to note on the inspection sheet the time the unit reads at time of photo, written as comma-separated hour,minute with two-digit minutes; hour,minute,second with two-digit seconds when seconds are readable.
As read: 3,07
